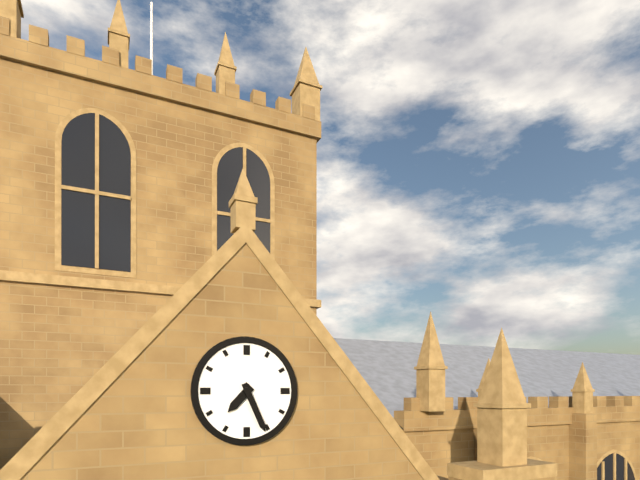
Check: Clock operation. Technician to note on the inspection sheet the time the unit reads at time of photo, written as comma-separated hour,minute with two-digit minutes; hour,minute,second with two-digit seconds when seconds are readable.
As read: 7,26
